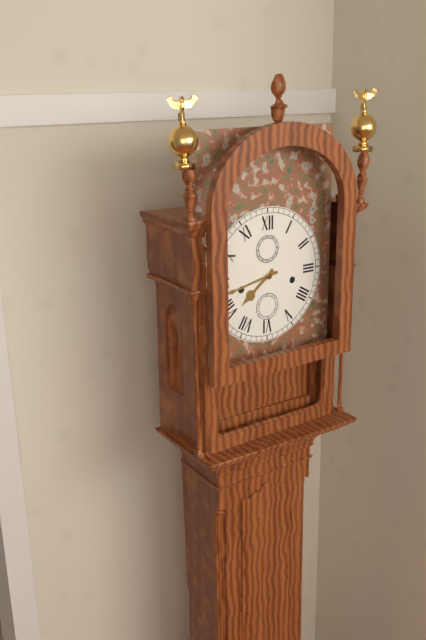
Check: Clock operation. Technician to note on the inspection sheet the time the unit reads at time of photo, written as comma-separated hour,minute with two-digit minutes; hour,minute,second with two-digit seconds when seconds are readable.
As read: 7,43
